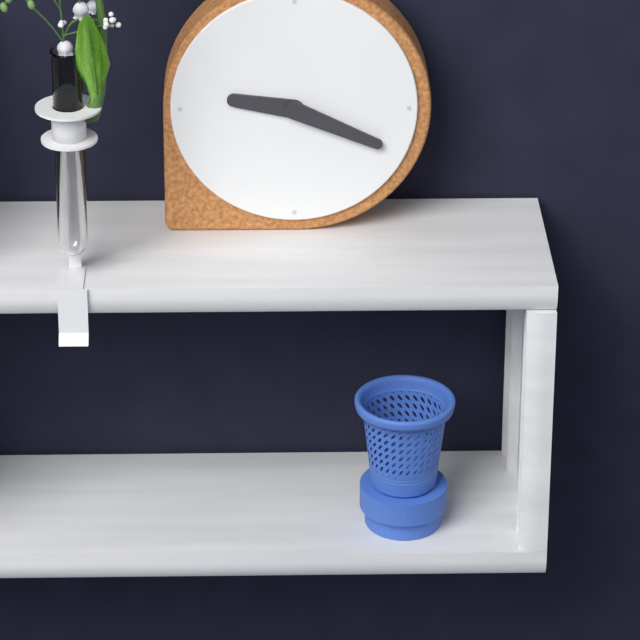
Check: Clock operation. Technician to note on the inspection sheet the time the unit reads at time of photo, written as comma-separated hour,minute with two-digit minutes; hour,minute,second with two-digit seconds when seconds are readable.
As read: 9,19
